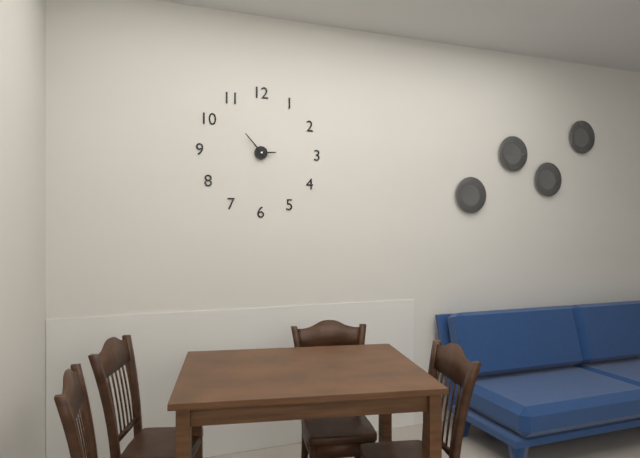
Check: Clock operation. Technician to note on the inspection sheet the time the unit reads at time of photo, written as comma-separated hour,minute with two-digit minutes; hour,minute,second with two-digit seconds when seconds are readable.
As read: 2,53
